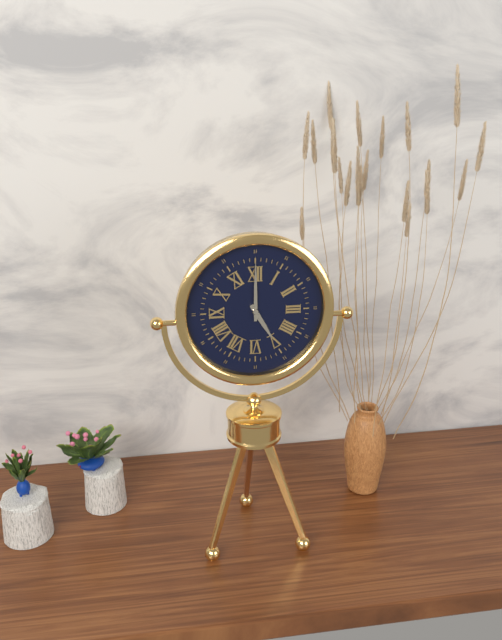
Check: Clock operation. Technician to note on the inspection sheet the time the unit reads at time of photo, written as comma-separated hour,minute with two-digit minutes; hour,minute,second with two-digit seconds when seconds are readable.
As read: 5,00
